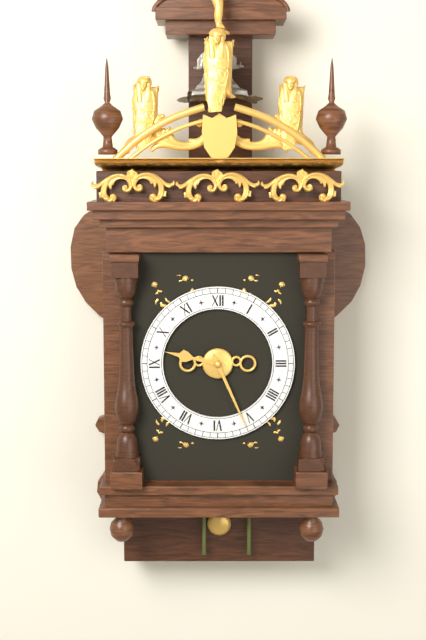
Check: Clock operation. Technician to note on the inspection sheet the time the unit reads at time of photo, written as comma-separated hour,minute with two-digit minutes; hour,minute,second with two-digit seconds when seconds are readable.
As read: 9,26
